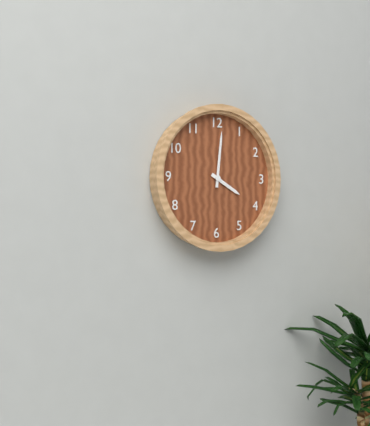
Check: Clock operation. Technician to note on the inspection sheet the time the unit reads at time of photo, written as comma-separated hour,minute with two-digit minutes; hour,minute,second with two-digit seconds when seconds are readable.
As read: 4,01
